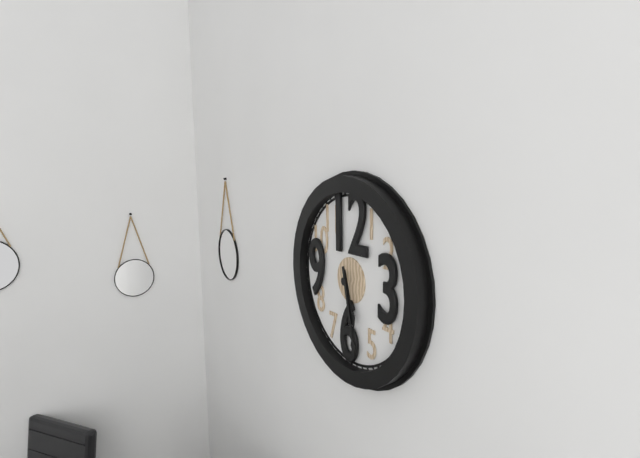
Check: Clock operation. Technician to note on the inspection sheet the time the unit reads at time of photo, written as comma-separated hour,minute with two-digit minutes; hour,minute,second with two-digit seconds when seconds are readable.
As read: 5,28
